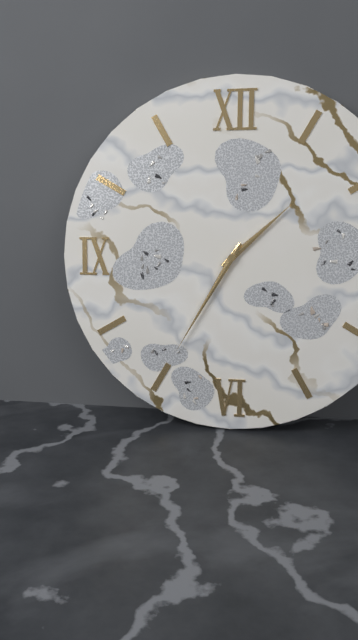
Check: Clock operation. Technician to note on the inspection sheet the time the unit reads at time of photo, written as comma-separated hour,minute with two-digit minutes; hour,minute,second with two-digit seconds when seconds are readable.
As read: 1,35
